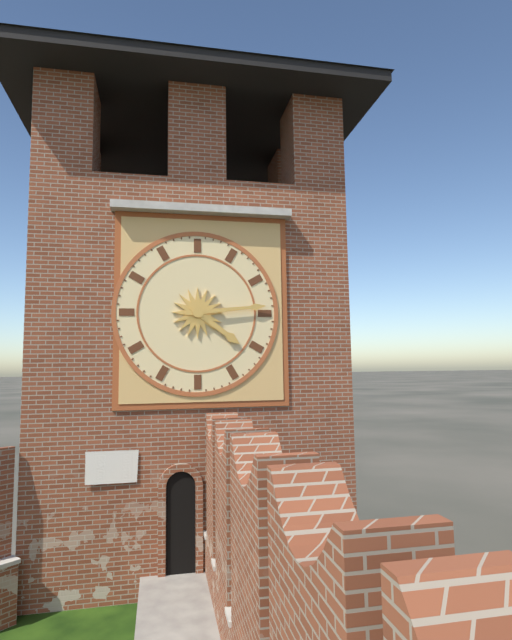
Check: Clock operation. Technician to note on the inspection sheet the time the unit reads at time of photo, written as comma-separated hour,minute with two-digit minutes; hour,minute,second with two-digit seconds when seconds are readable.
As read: 4,14
